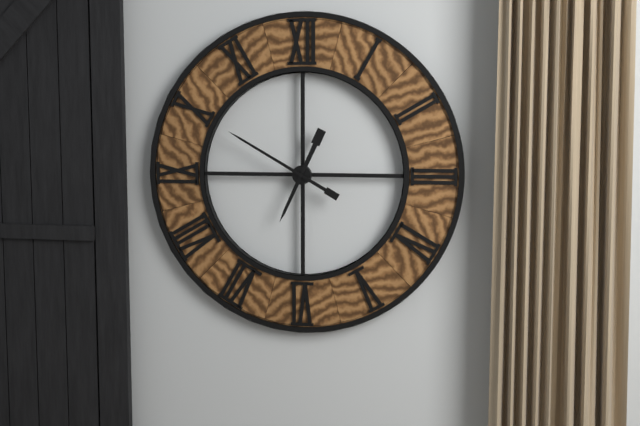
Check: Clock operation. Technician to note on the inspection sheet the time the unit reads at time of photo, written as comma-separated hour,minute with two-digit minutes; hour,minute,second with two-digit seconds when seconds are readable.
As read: 6,50
